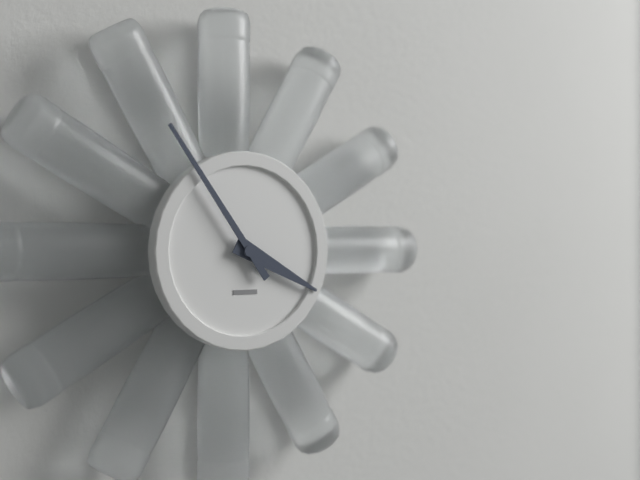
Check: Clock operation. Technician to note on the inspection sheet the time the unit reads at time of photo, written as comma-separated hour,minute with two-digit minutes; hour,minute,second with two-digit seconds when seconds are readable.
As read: 3,54
